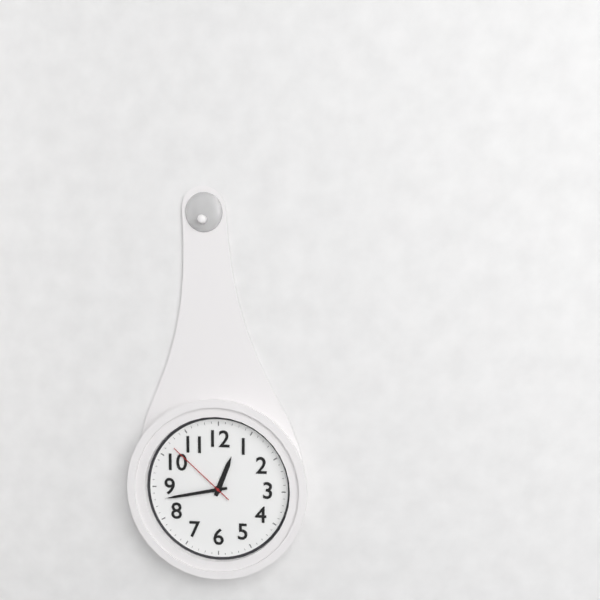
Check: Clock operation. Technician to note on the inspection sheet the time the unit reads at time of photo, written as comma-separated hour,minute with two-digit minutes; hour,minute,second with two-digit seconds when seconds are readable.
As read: 12,43,52
